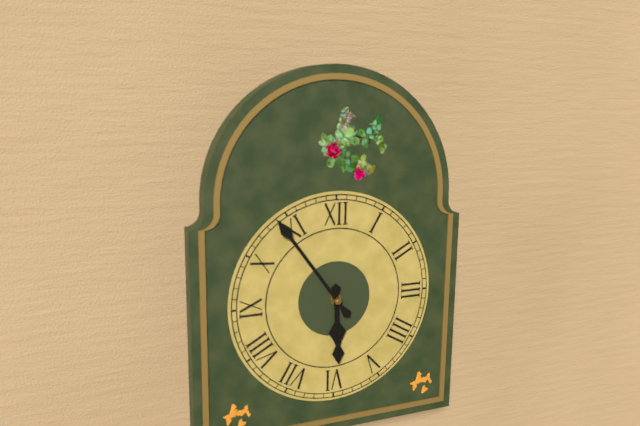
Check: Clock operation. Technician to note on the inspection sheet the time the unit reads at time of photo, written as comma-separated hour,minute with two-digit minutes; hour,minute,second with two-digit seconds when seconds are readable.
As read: 5,54
